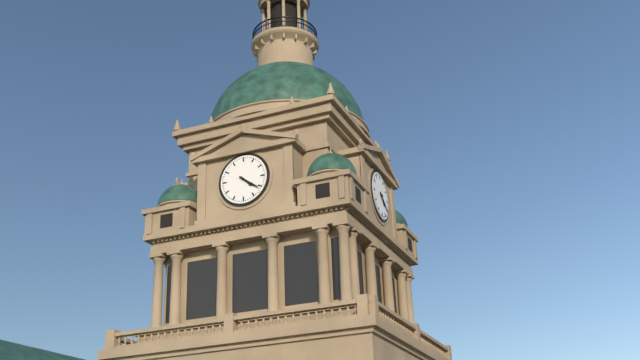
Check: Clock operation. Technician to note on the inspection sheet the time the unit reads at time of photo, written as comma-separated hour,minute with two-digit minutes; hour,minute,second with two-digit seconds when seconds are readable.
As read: 4,21
